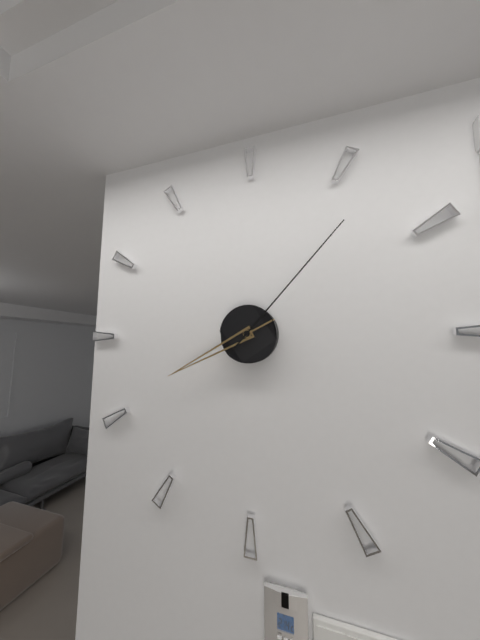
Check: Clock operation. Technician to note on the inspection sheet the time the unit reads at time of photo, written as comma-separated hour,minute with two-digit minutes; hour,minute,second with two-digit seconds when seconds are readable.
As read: 8,07
